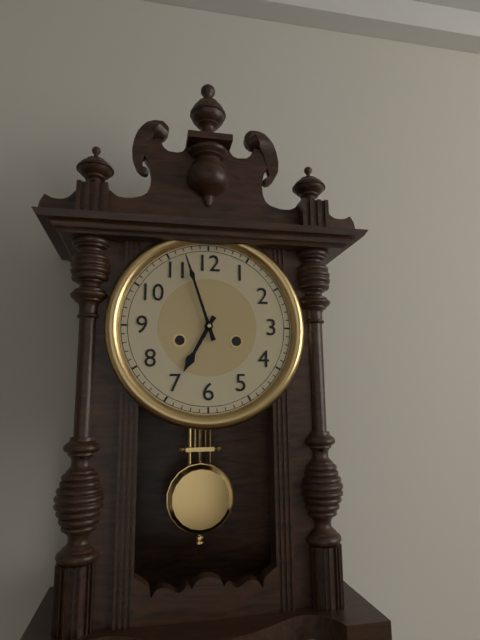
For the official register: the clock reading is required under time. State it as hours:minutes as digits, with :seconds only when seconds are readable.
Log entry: 6:57
